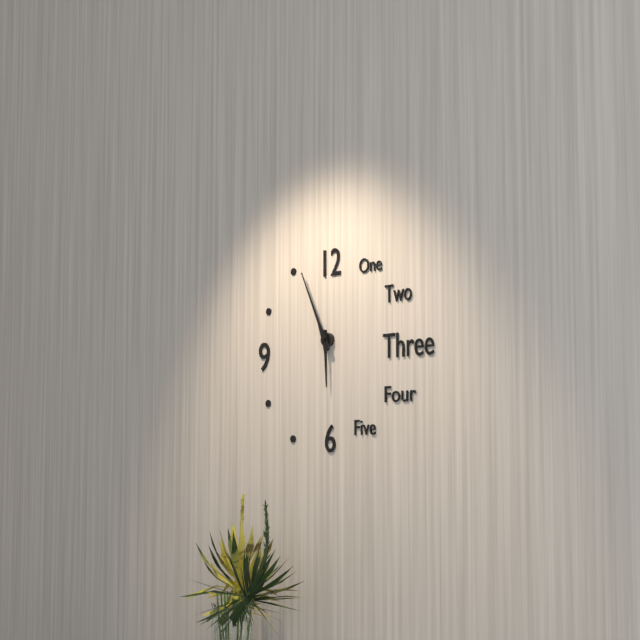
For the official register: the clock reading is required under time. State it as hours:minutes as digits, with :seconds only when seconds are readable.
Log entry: 5:56
